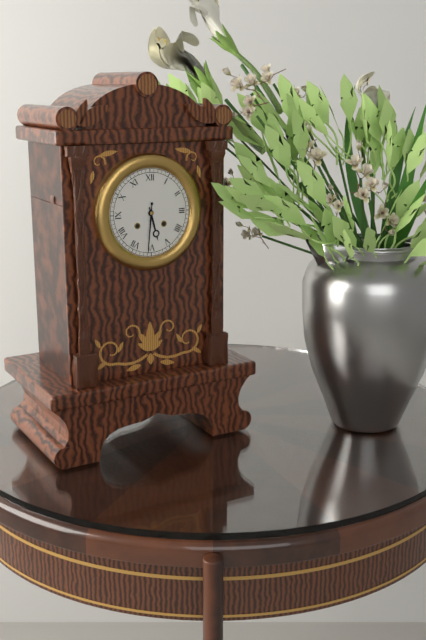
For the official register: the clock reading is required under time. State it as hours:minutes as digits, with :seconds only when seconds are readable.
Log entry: 5:31
